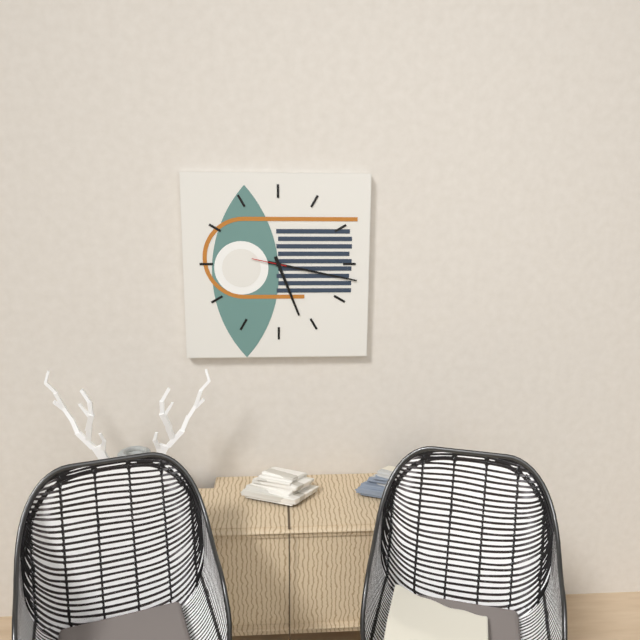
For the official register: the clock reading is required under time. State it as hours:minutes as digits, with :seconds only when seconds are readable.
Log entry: 5:17
